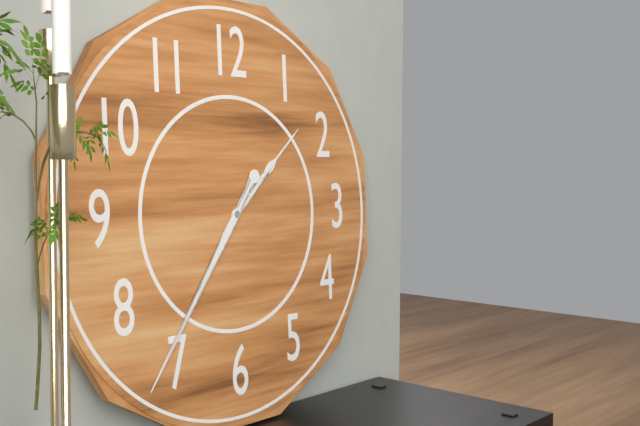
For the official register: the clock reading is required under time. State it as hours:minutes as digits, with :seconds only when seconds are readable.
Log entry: 1:36
